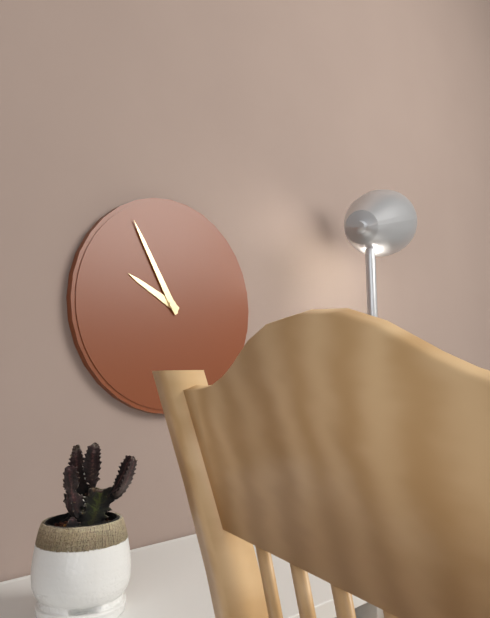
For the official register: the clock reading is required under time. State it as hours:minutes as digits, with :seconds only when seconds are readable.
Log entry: 9:55
